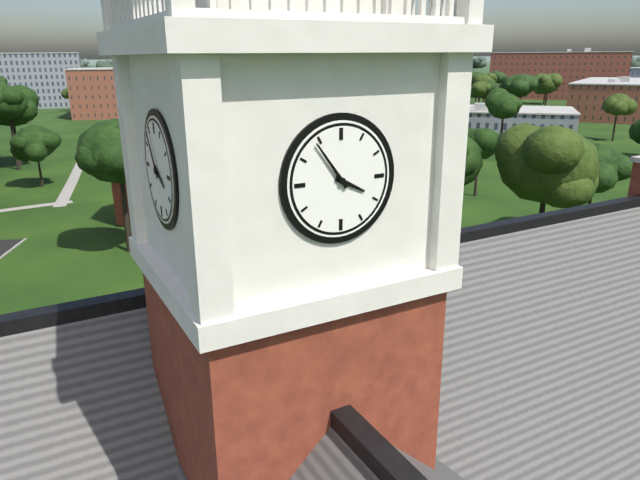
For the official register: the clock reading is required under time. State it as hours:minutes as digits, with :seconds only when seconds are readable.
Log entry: 3:54
